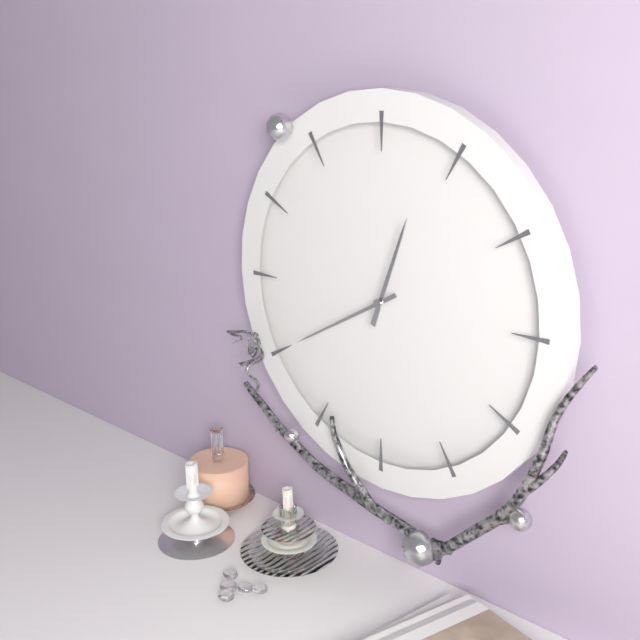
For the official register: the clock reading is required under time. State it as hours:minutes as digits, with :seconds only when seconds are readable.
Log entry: 12:40
